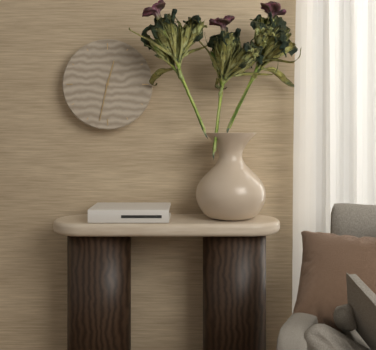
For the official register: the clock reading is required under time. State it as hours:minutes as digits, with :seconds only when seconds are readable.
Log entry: 12:32
